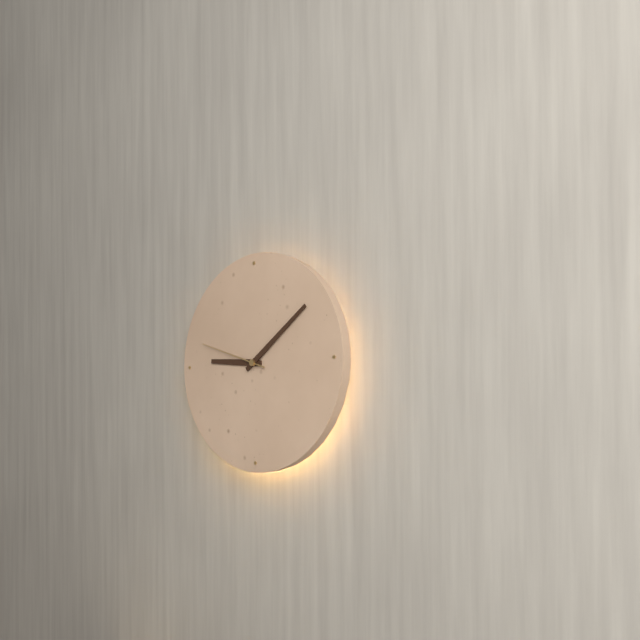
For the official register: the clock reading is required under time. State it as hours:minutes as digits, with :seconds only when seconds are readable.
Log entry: 9:09:48
